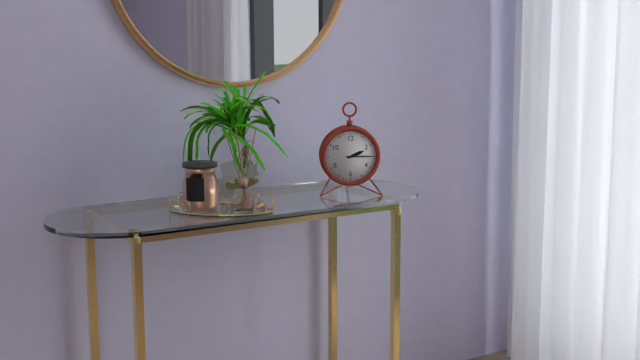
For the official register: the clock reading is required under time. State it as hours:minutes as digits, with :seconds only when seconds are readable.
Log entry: 2:15
